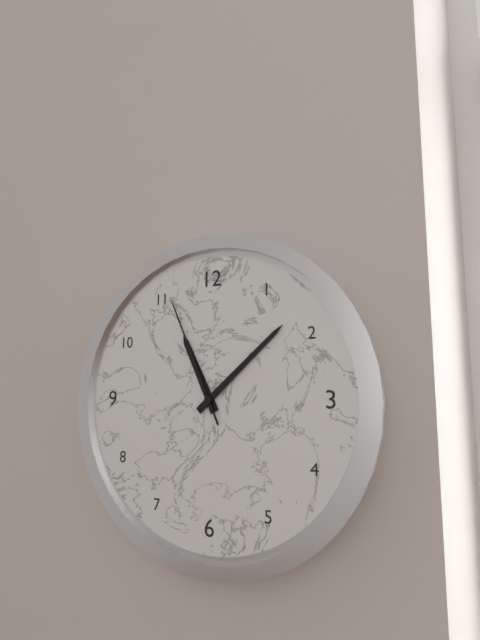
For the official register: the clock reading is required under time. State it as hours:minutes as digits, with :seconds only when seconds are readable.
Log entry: 11:08:56
